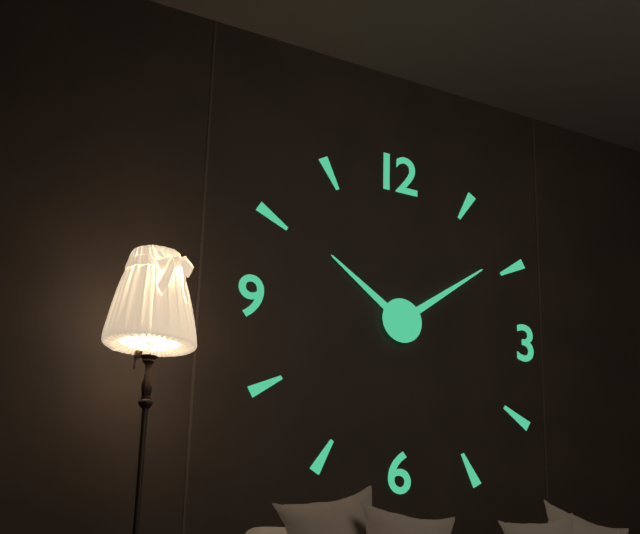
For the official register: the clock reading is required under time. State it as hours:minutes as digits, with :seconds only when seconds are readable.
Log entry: 10:09
